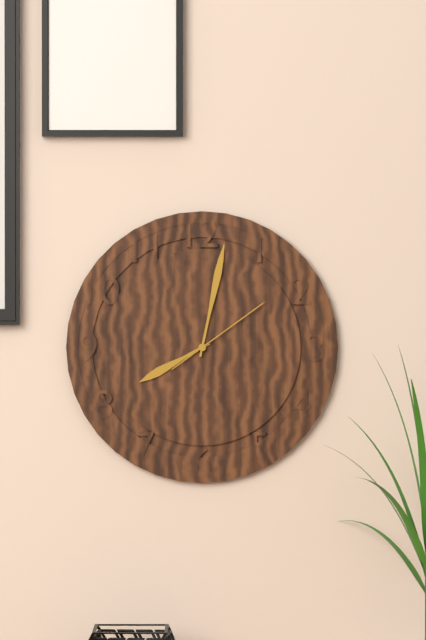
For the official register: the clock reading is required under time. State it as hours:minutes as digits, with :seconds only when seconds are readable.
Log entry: 8:02:09
